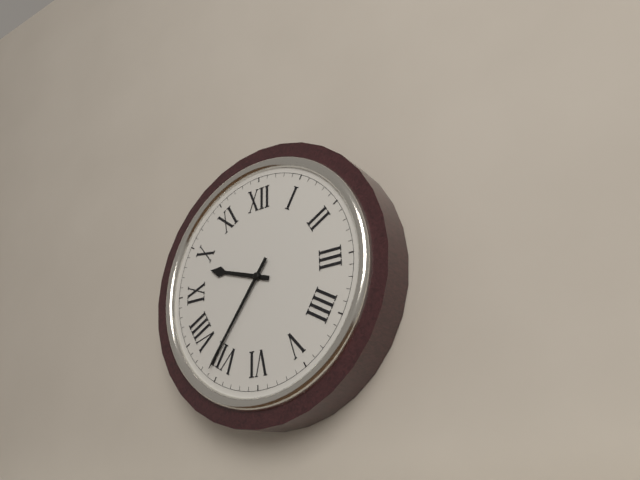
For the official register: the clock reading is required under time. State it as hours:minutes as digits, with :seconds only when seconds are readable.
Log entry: 9:36
